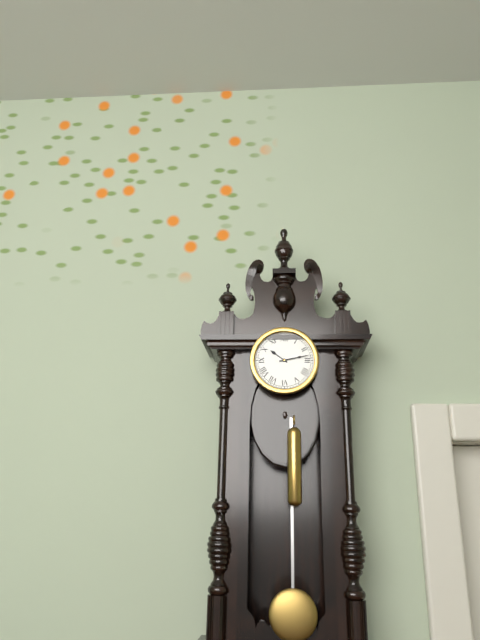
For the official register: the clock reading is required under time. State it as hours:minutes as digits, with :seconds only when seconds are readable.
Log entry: 10:13
